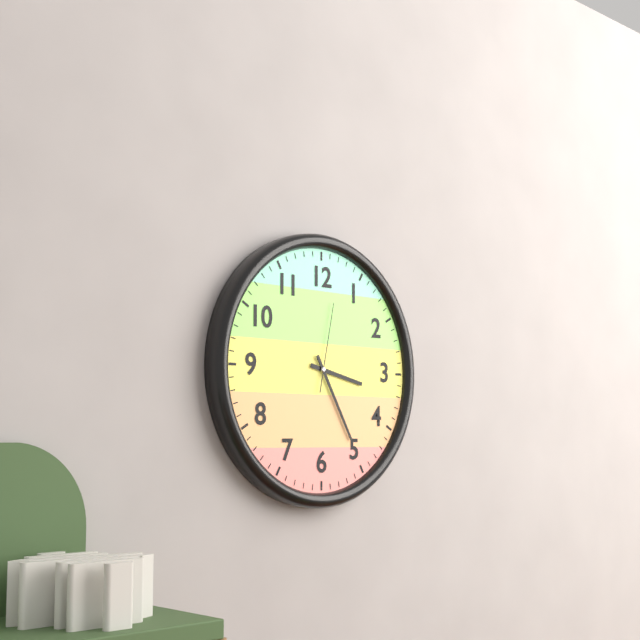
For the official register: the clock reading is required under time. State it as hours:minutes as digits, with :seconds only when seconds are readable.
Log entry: 3:25:02
